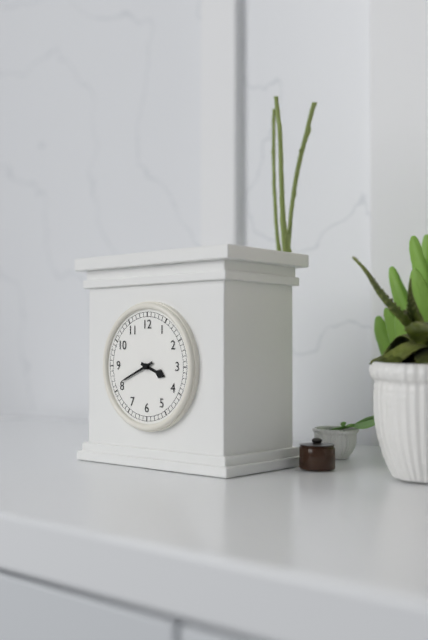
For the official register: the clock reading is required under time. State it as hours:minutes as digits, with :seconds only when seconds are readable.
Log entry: 3:41
